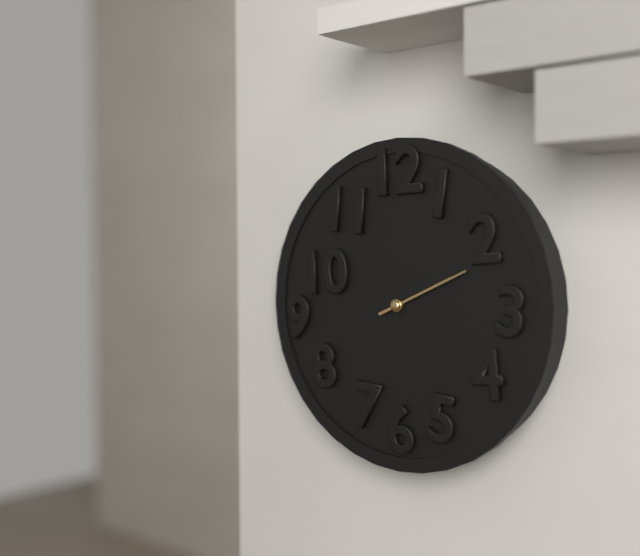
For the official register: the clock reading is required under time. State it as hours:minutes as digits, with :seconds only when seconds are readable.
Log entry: 2:11
